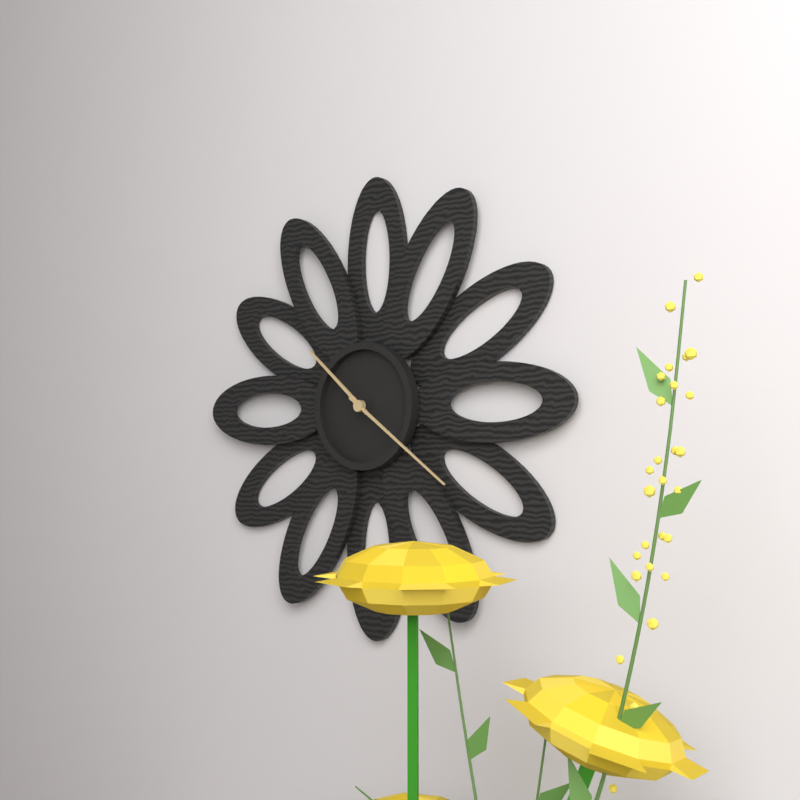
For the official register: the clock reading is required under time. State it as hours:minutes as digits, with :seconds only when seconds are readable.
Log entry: 10:21
